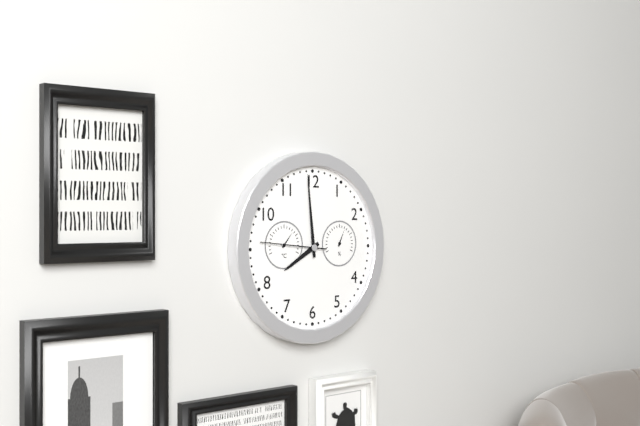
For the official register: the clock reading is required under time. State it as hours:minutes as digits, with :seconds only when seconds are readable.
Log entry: 7:59:46
